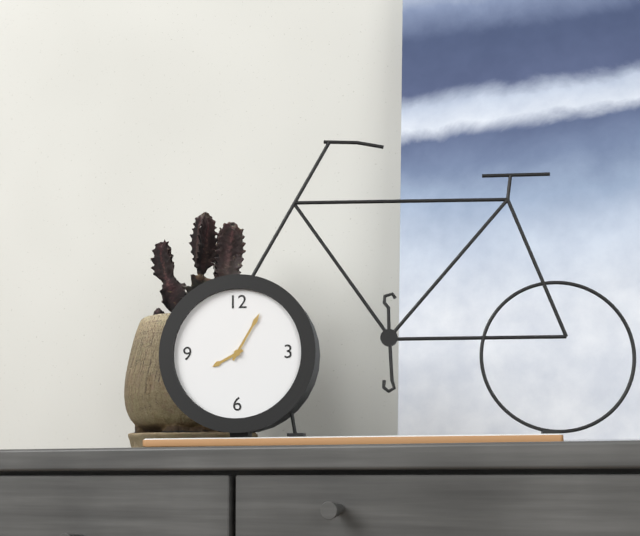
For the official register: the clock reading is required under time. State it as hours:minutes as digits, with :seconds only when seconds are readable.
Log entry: 8:05
